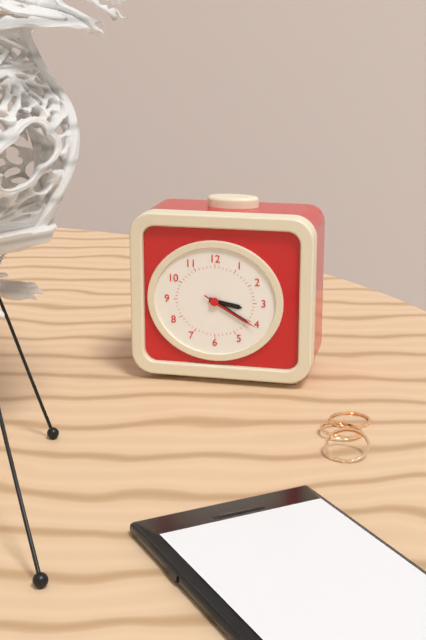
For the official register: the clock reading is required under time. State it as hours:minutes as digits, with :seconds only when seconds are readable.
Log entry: 3:20:20
